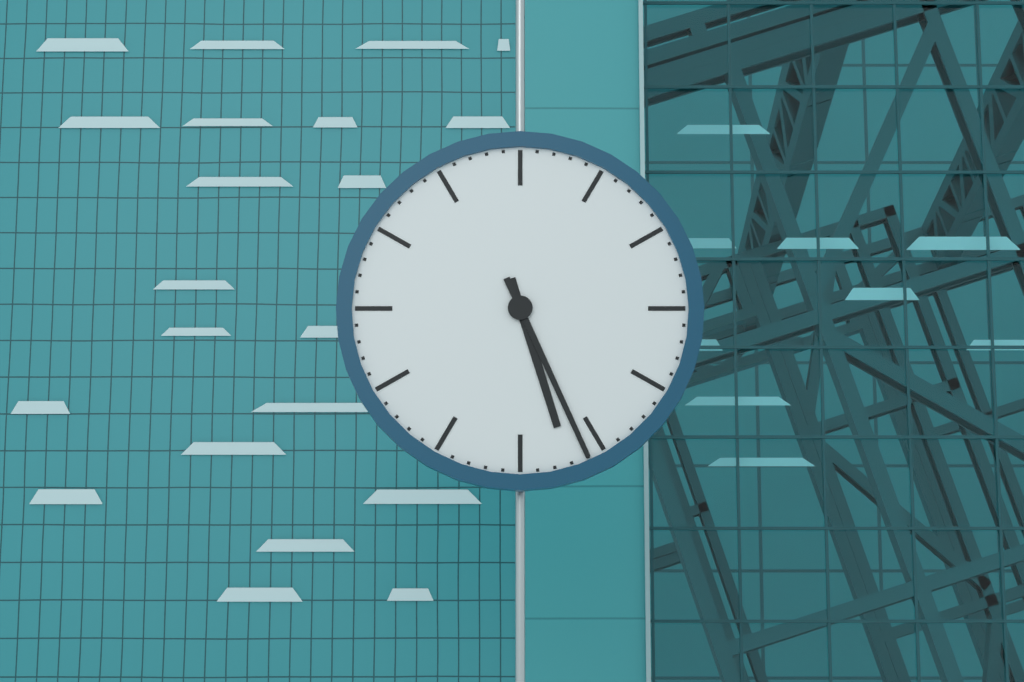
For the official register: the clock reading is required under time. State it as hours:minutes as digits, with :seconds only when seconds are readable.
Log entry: 5:26
